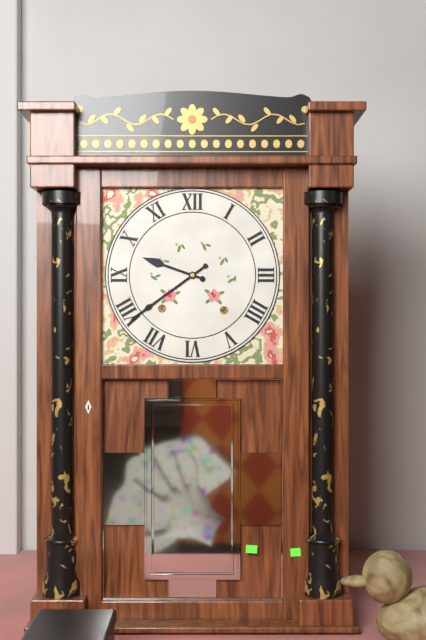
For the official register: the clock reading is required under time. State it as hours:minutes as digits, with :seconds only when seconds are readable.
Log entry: 9:39
